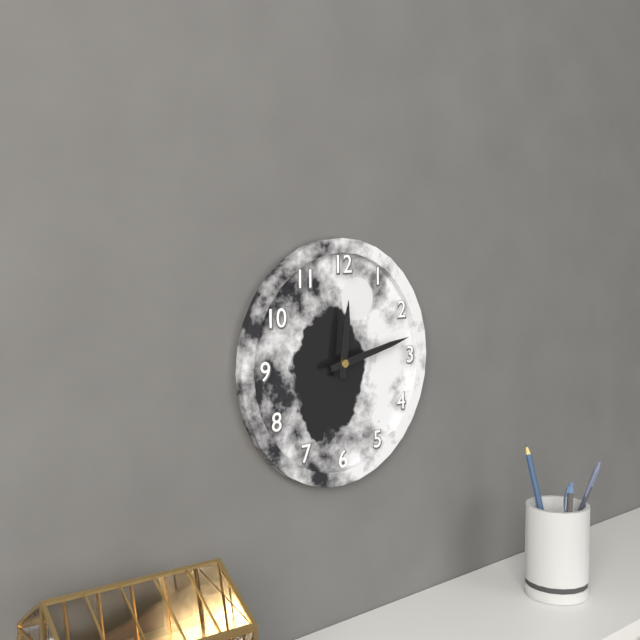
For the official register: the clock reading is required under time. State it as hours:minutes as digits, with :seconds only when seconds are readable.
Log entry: 12:13
